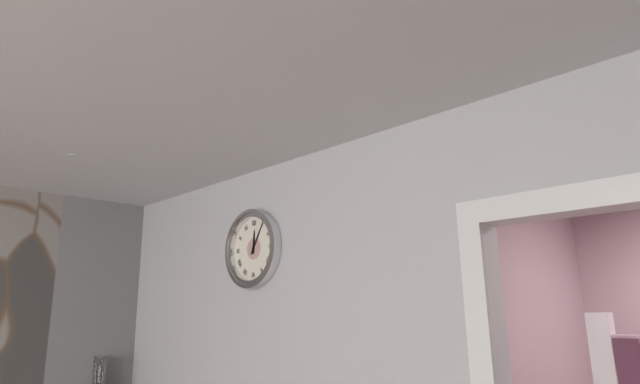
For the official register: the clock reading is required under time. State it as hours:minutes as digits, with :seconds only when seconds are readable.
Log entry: 12:05
